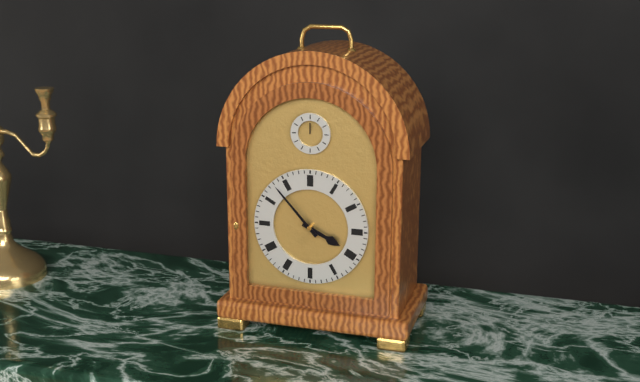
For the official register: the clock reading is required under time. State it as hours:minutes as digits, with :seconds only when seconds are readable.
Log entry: 3:53
